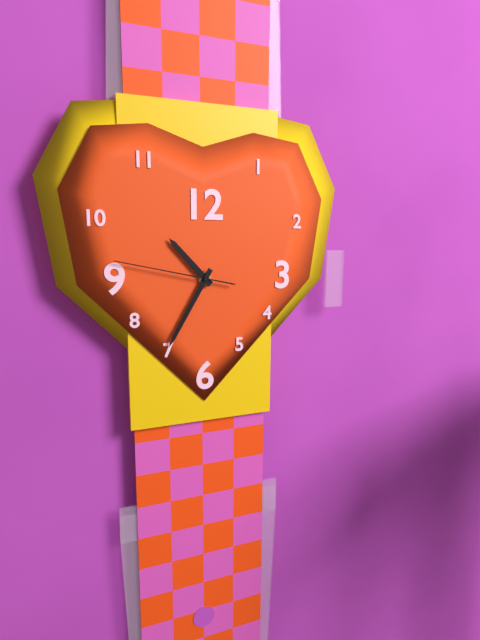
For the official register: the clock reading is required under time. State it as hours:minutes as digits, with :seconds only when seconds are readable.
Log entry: 10:35:47
